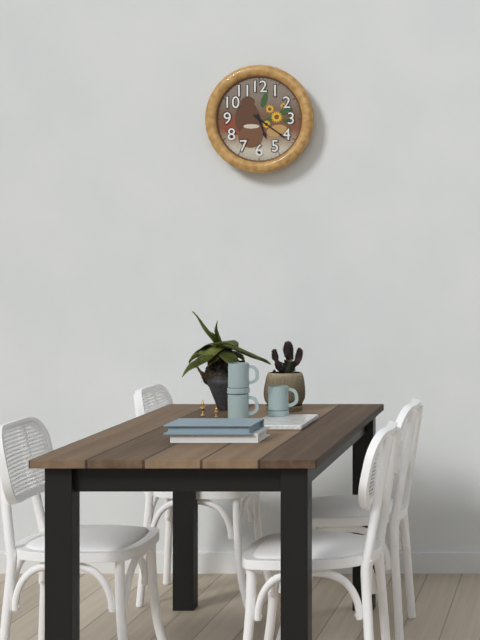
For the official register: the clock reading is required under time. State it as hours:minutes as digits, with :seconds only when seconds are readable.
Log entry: 5:21
